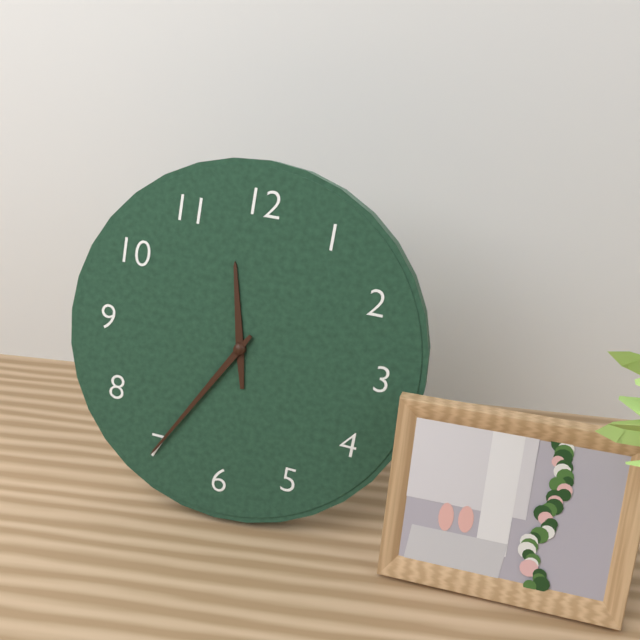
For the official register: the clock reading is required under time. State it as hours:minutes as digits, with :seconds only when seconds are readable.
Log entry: 11:35
